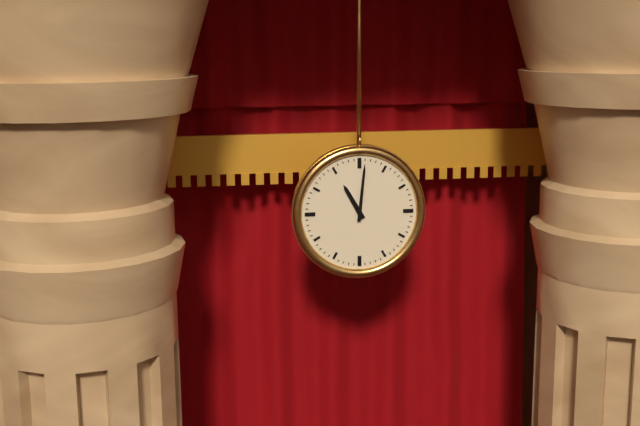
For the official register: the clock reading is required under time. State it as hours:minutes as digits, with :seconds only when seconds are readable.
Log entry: 11:01
